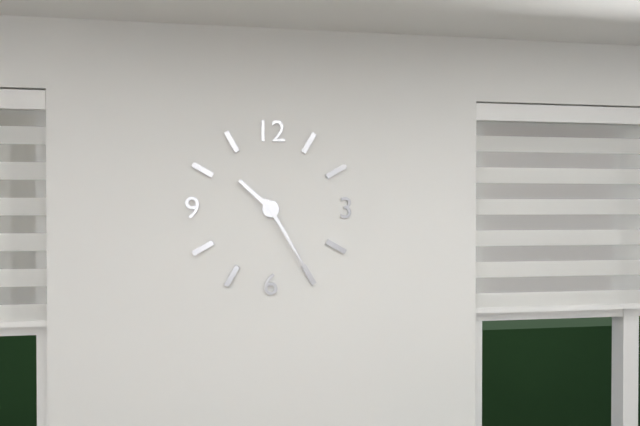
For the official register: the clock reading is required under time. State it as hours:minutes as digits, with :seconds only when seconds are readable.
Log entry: 10:25
